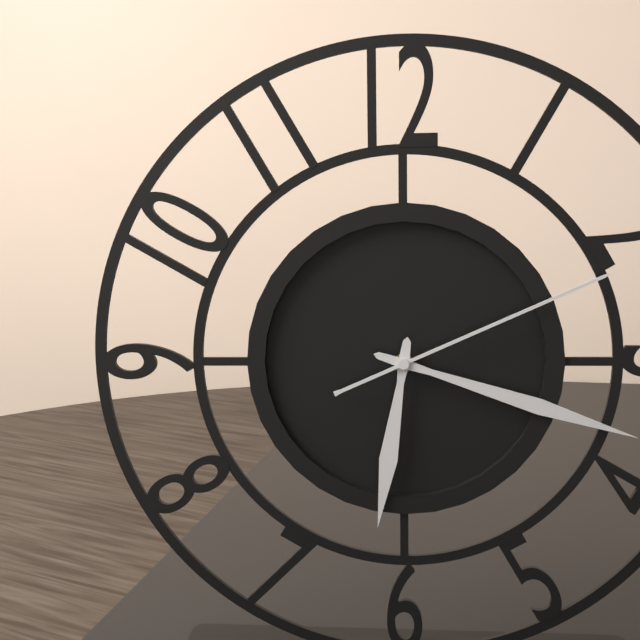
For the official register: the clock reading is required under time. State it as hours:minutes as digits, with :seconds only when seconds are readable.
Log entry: 6:18:11
